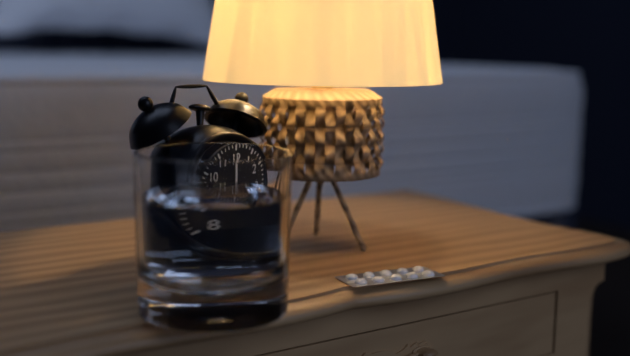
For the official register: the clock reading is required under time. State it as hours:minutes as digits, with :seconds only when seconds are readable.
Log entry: 5:00
